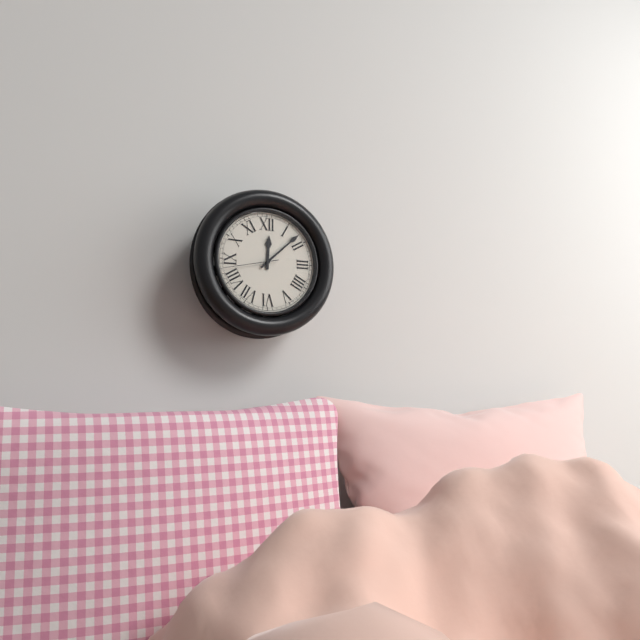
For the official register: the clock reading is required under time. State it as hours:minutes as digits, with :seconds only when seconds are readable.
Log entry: 12:08:43
